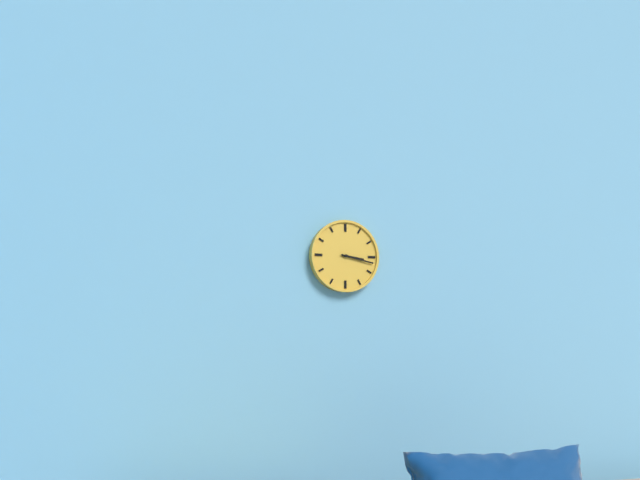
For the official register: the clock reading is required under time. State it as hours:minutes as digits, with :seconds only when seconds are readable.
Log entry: 3:17
